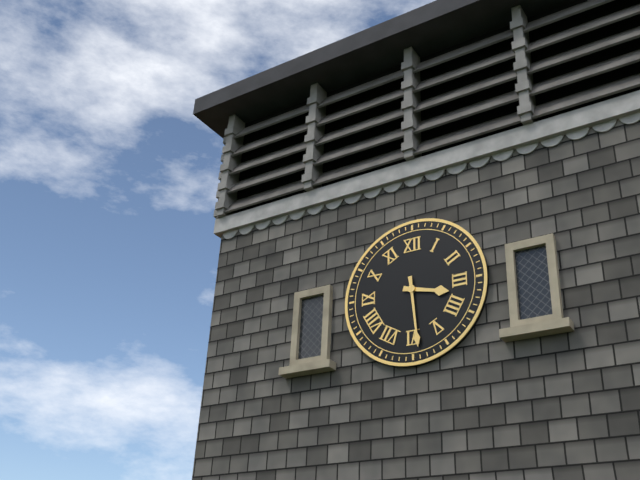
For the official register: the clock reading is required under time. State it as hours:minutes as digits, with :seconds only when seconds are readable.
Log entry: 3:29
